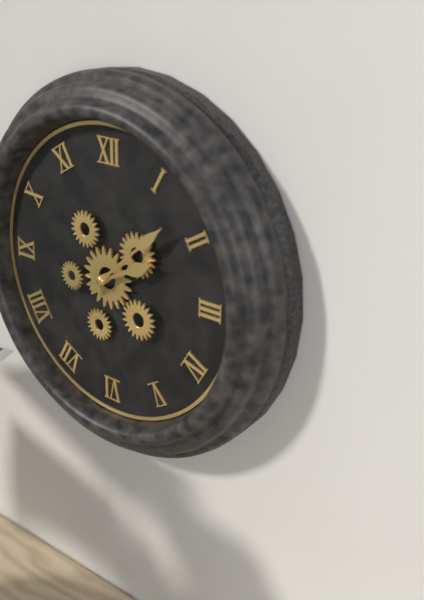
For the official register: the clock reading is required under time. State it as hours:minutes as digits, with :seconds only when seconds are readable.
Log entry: 2:08
